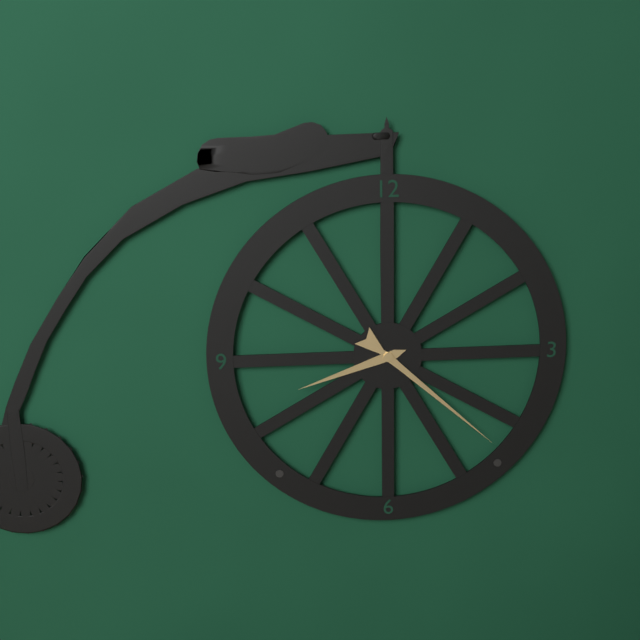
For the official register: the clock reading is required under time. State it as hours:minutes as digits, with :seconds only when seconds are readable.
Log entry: 8:22
